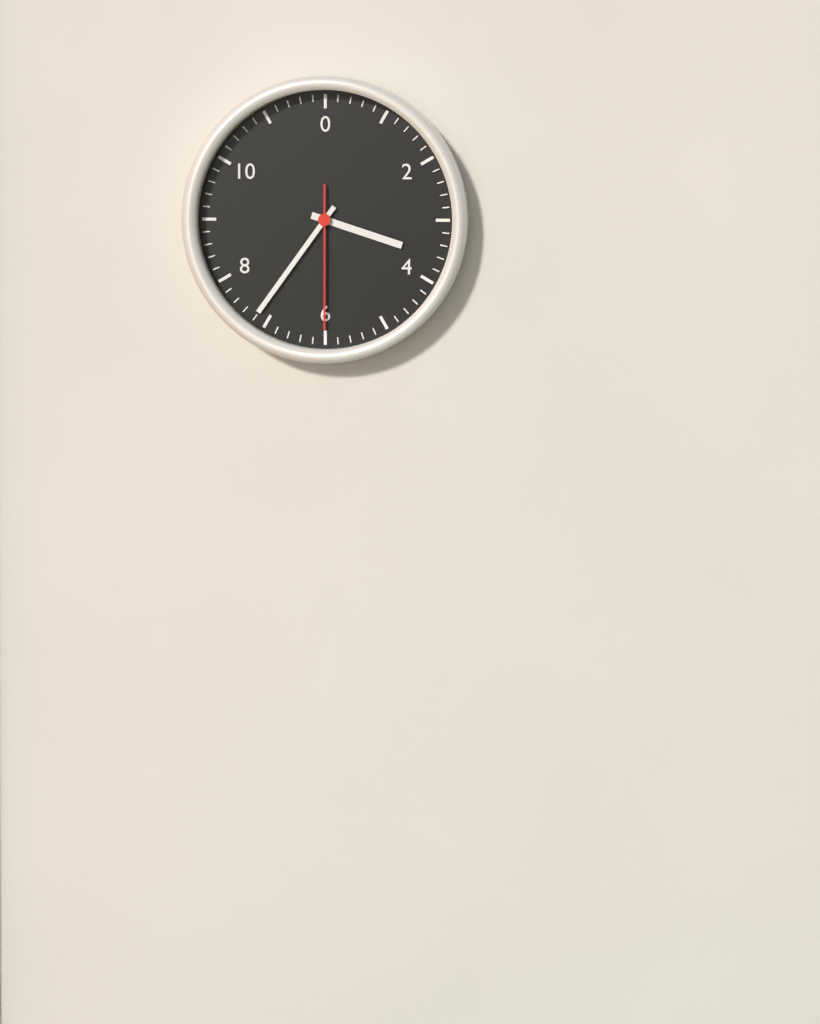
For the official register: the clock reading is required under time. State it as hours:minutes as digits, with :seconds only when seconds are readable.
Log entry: 3:36:30
